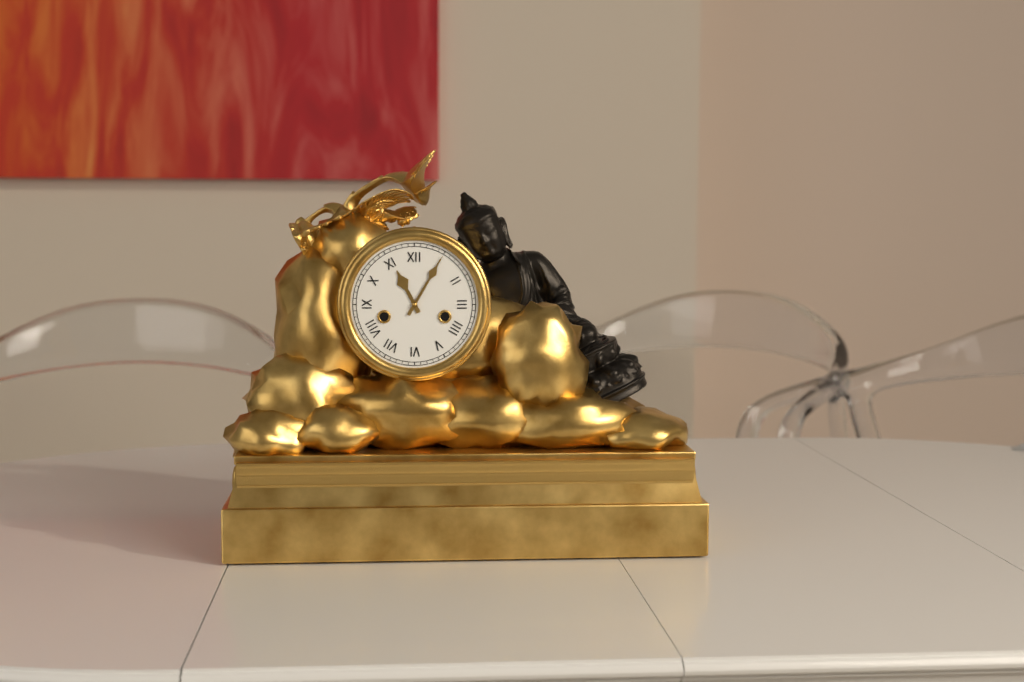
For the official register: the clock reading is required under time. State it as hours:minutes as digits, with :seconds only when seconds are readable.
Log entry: 11:05
